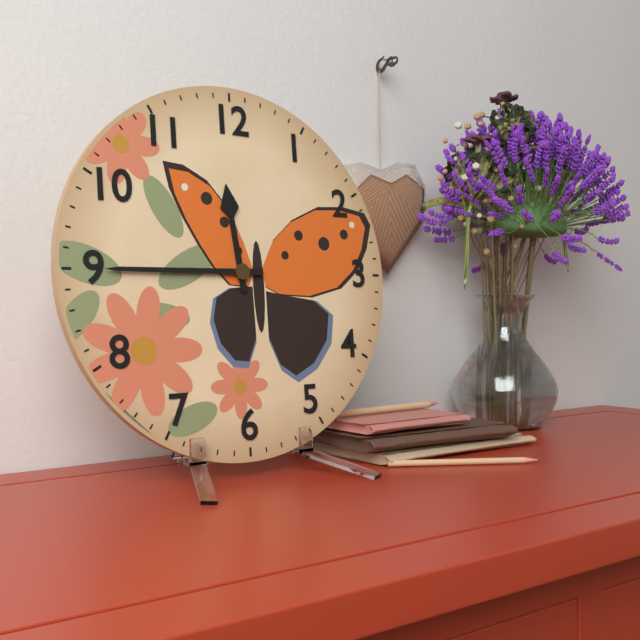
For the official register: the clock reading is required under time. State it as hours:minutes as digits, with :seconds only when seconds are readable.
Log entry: 11:45
